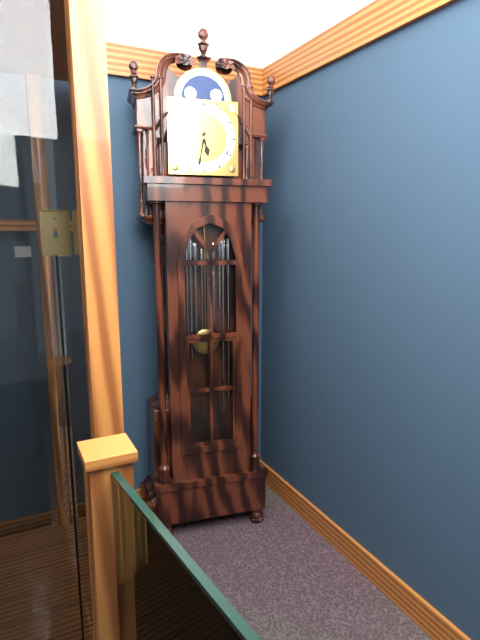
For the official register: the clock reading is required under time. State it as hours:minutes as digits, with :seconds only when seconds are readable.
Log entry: 5:32
